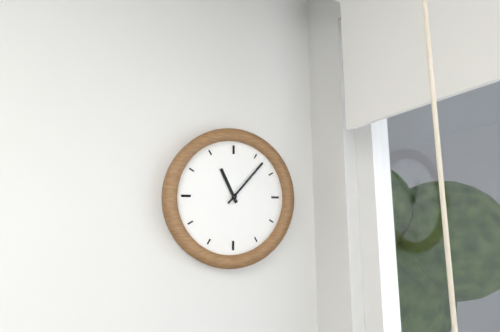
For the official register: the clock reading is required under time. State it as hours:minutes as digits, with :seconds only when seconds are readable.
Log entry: 11:07
